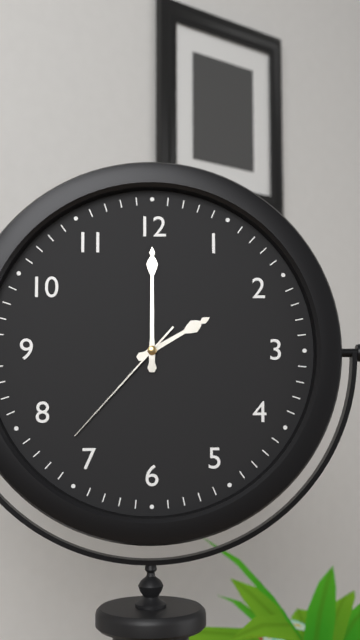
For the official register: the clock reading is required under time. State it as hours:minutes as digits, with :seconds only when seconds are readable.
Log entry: 2:00:37
